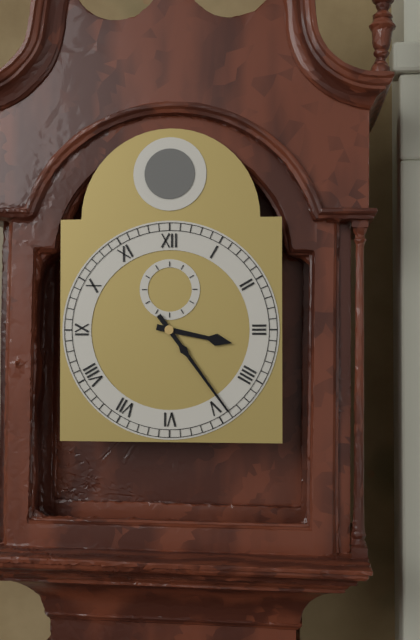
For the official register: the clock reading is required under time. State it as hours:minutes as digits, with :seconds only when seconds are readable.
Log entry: 3:24
